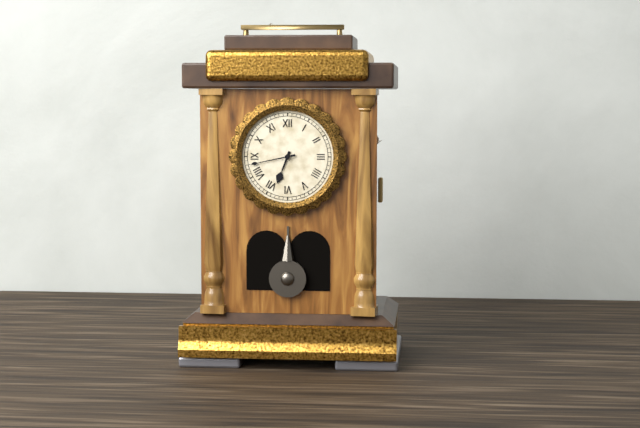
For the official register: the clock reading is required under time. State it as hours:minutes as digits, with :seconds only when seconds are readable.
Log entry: 6:43
